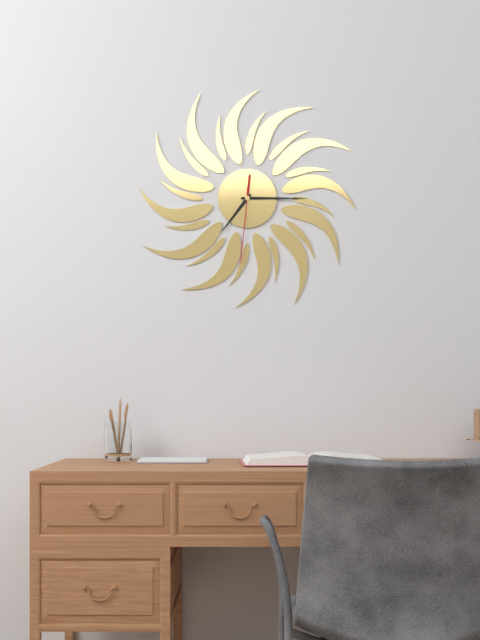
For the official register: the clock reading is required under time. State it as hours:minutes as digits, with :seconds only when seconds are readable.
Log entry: 7:15:31
